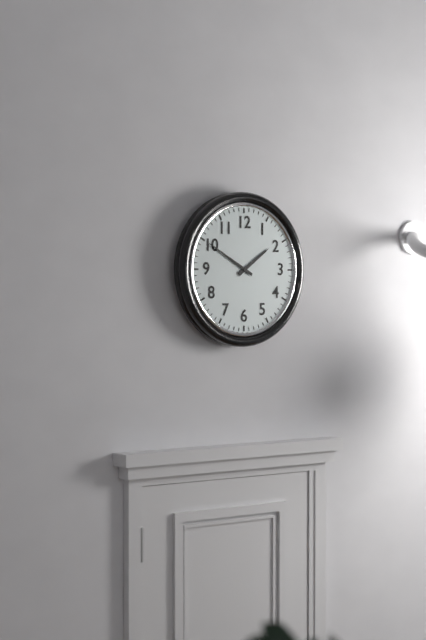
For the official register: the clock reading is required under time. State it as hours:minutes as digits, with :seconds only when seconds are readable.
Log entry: 1:50
